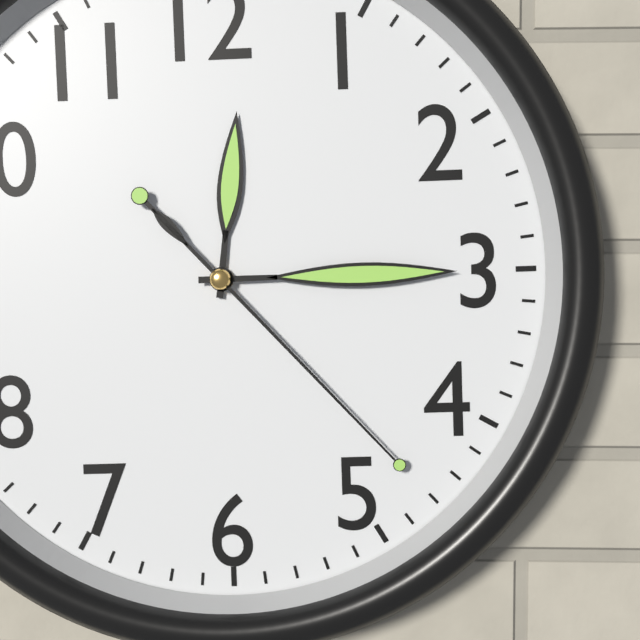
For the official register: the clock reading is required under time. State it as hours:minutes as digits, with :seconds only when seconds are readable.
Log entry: 12:15:23
